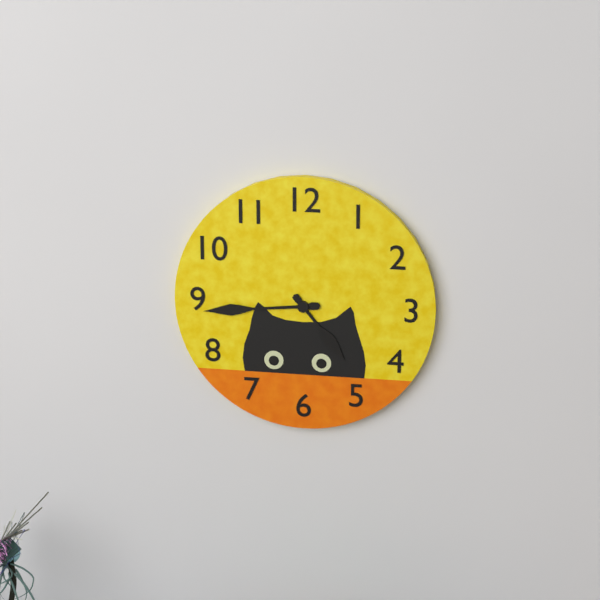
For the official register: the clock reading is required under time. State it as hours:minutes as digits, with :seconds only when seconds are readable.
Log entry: 4:44
